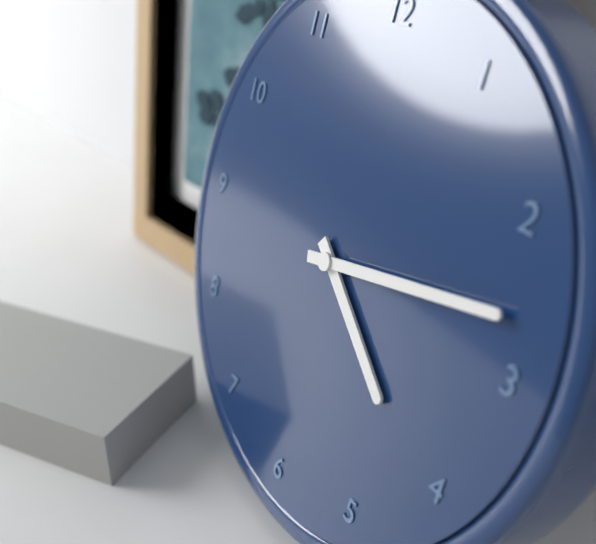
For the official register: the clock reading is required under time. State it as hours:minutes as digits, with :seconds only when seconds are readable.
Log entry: 4:13
